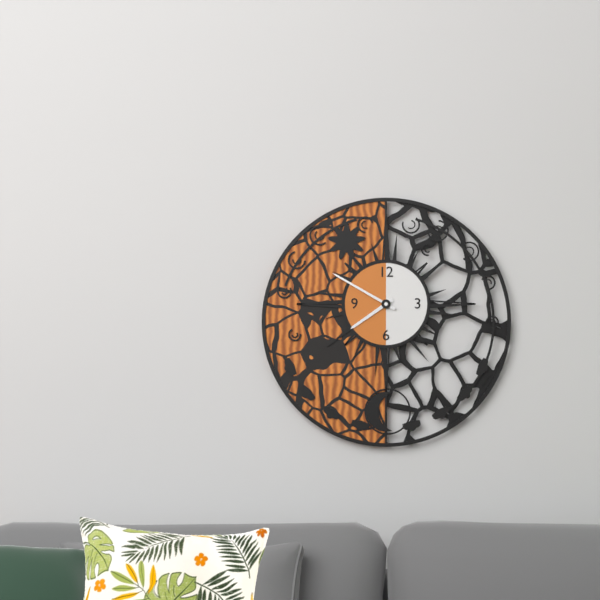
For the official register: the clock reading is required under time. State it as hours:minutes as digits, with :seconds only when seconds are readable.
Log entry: 7:50
